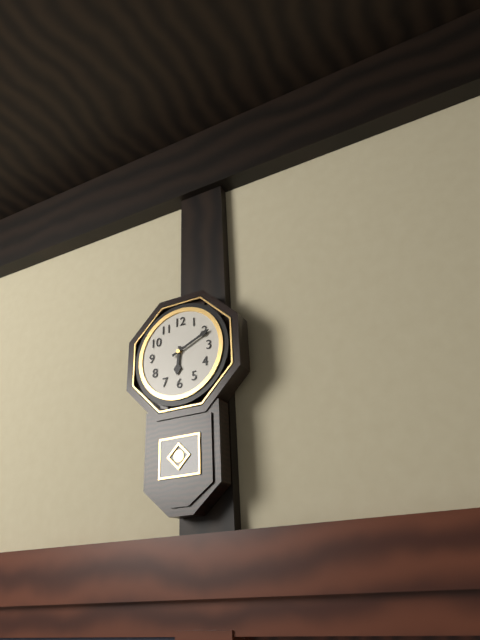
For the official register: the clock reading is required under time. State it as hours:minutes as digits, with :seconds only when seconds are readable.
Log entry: 6:11
